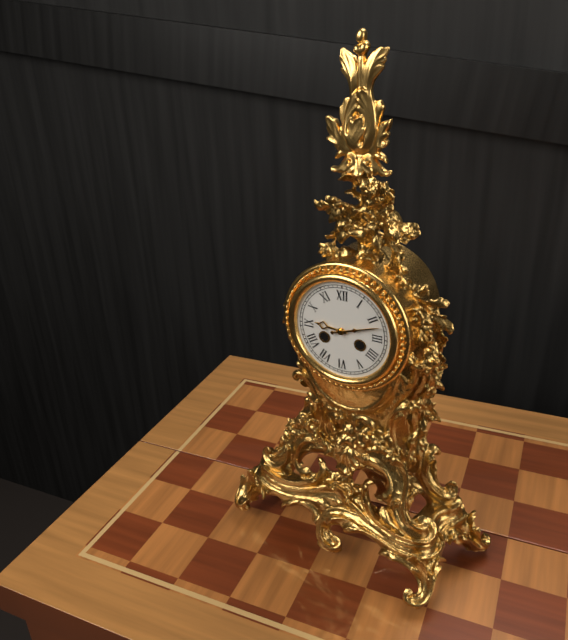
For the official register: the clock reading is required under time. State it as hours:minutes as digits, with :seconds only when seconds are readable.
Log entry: 9:12
